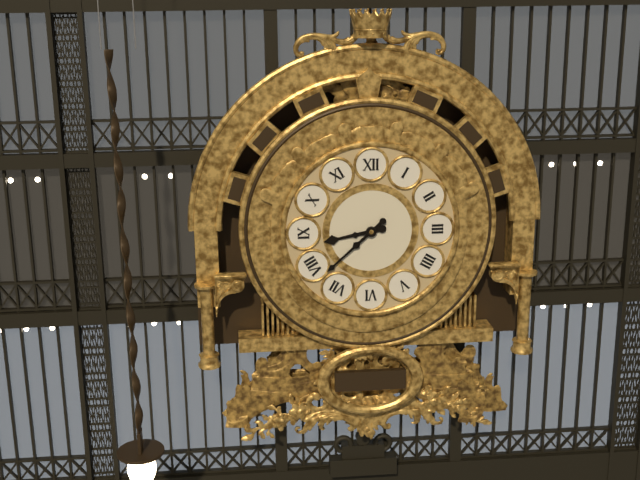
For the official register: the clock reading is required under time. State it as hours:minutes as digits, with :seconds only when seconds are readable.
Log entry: 8:38
